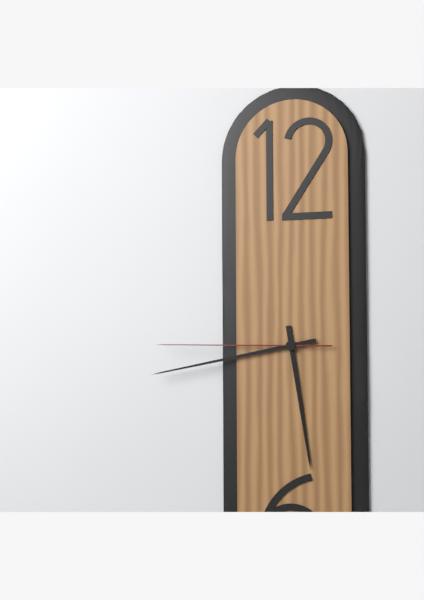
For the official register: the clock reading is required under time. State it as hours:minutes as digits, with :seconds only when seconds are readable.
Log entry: 5:43:45
